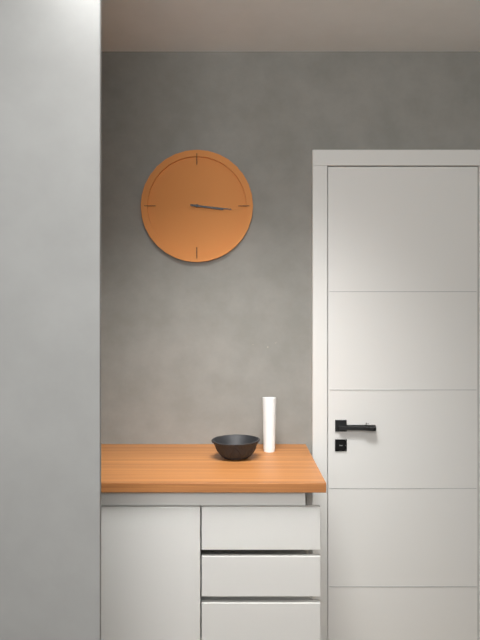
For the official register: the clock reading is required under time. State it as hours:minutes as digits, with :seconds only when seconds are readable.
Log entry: 3:16
